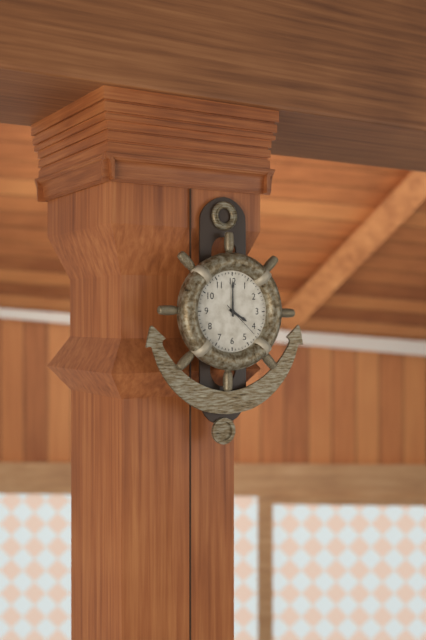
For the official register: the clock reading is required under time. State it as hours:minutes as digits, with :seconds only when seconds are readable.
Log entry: 4:00
